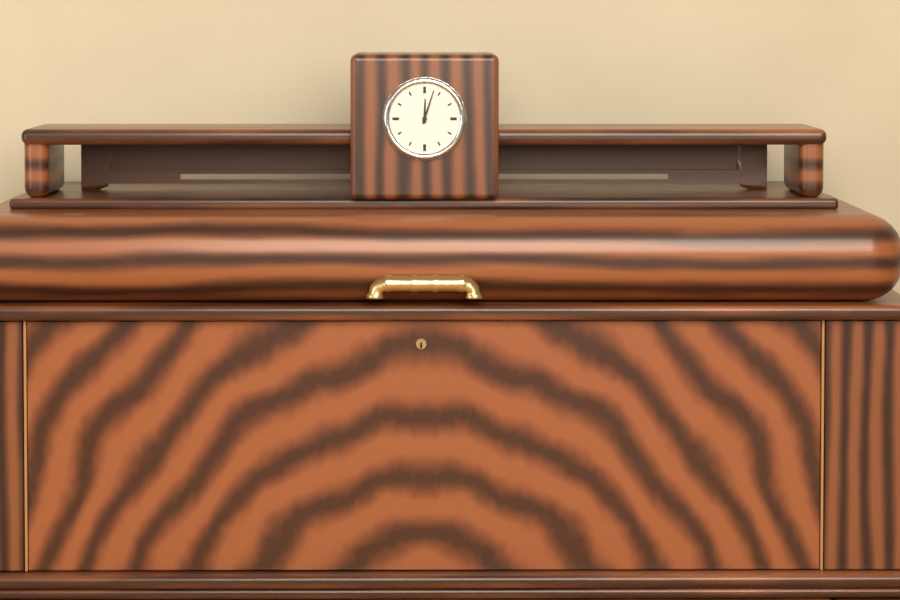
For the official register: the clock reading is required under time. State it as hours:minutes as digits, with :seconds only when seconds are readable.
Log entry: 12:03
